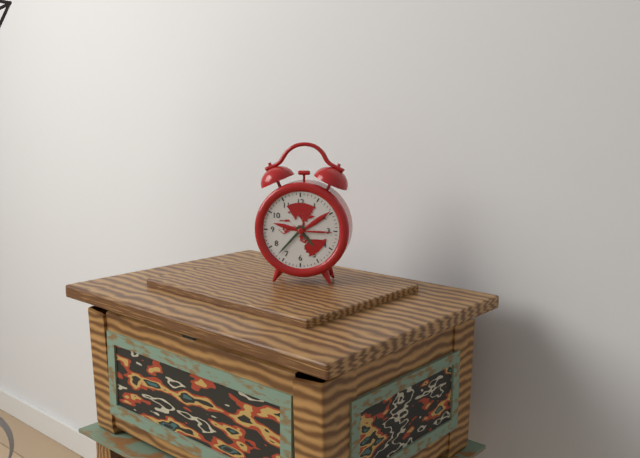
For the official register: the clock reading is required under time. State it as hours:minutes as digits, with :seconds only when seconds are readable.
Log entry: 4:37
